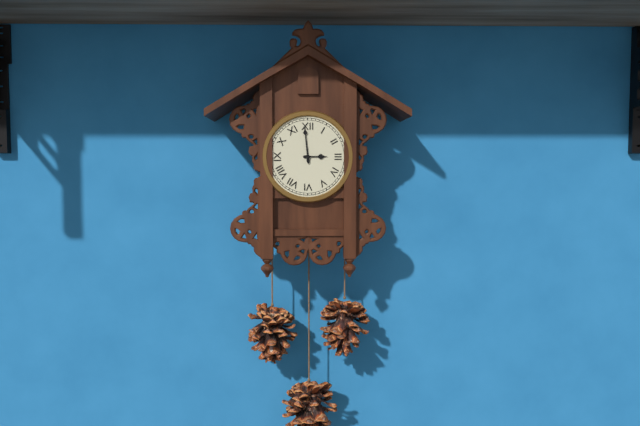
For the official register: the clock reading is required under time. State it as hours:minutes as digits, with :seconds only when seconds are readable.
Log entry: 2:59
